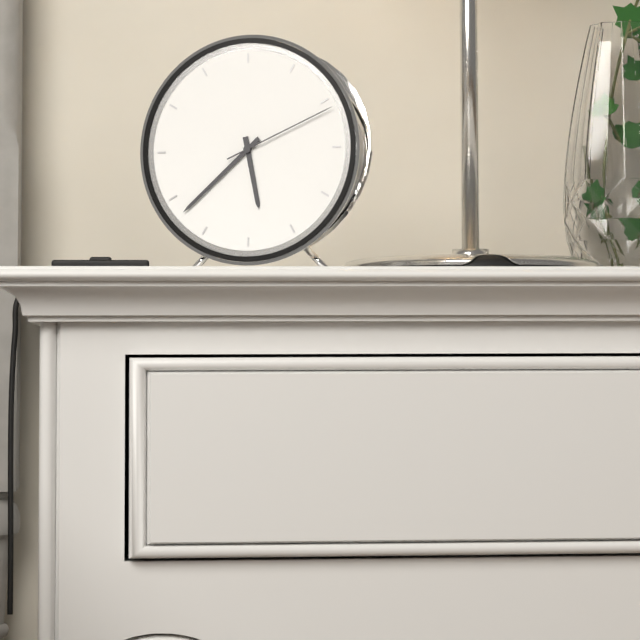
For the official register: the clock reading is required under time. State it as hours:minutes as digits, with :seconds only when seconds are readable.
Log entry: 5:38:11
